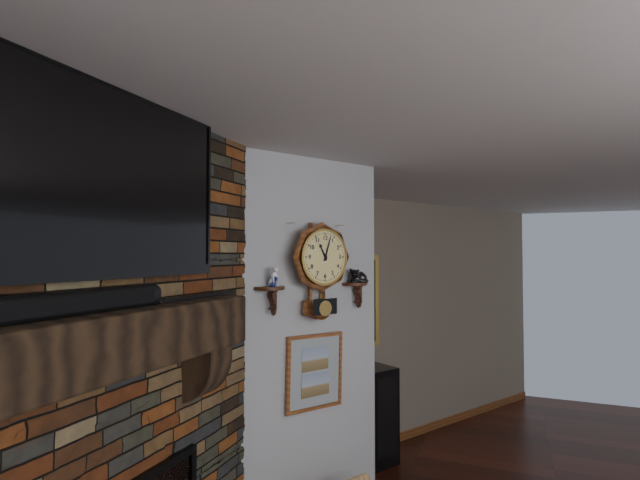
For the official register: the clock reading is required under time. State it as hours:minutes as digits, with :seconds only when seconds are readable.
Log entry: 11:03
